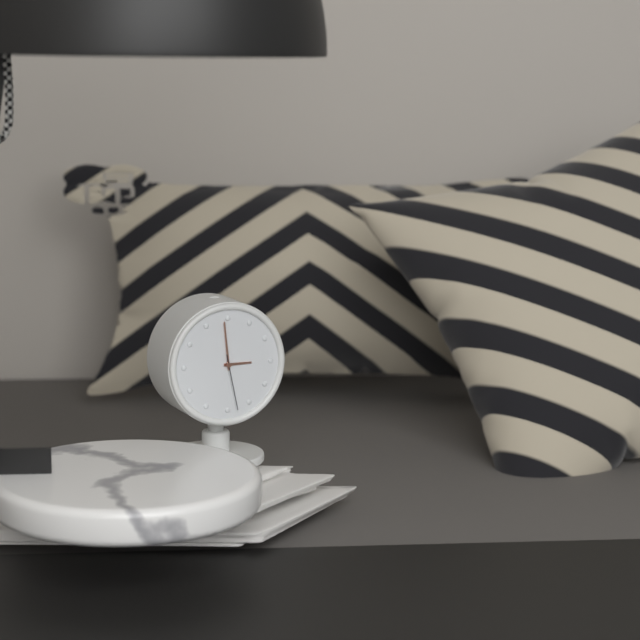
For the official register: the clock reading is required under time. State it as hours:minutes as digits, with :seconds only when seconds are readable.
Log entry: 2:59:28
